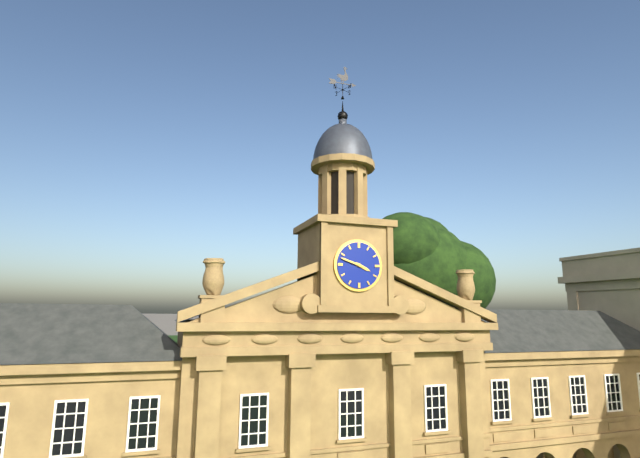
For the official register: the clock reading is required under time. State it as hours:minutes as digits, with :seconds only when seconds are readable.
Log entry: 3:48
